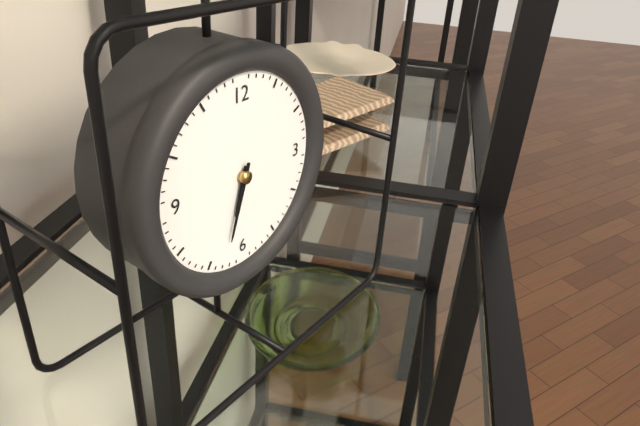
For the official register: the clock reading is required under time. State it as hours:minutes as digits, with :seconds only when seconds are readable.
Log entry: 6:33
